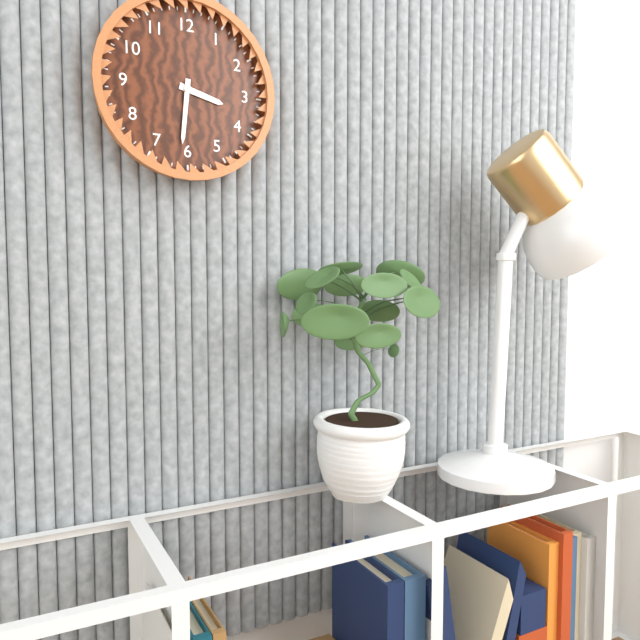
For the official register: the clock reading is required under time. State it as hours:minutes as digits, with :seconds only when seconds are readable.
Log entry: 3:31
